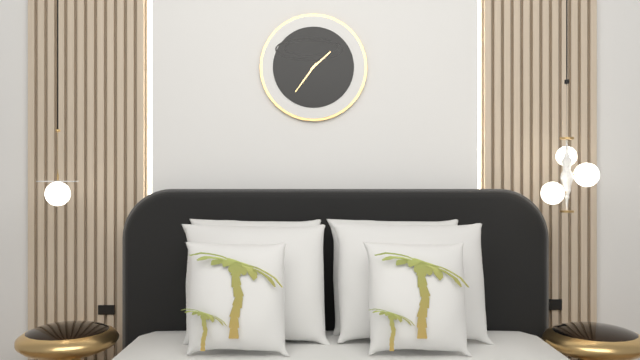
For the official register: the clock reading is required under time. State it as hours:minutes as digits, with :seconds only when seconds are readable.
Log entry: 1:36
